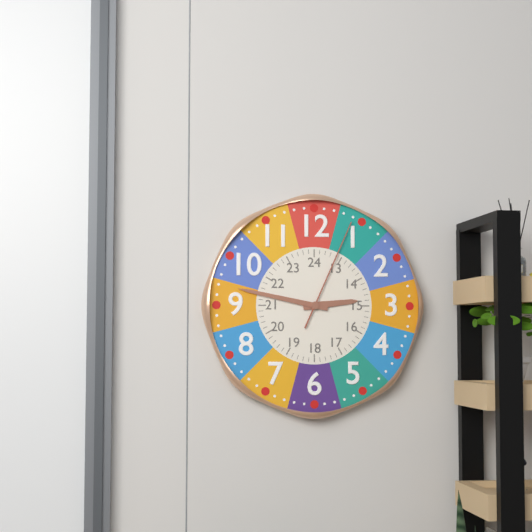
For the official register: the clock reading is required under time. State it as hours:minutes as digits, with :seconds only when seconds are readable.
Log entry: 2:47:04
